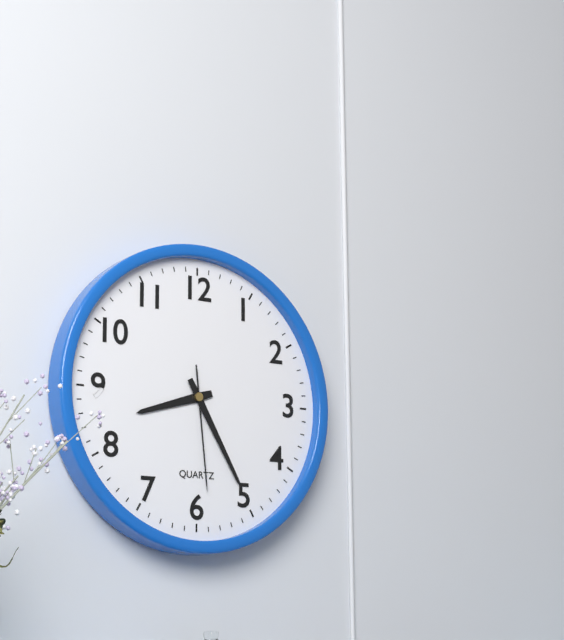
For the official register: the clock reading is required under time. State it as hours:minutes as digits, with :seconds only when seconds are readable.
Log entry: 8:25:29
